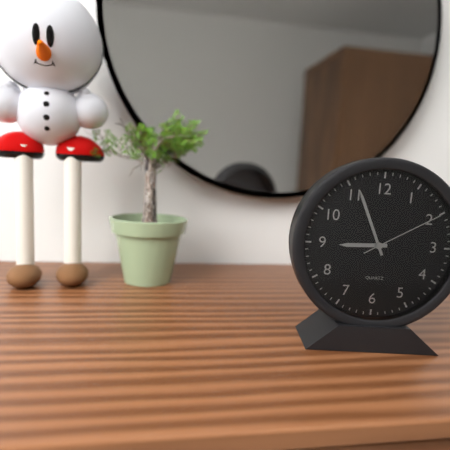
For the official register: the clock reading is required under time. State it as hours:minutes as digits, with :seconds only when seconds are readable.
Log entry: 8:56:10
